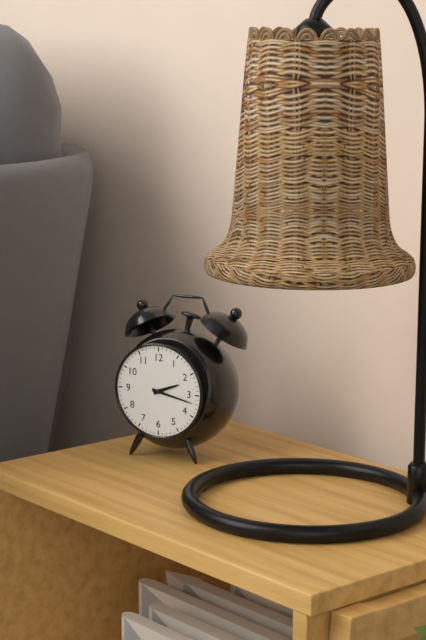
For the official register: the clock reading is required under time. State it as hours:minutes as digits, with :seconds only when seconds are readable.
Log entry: 2:17
